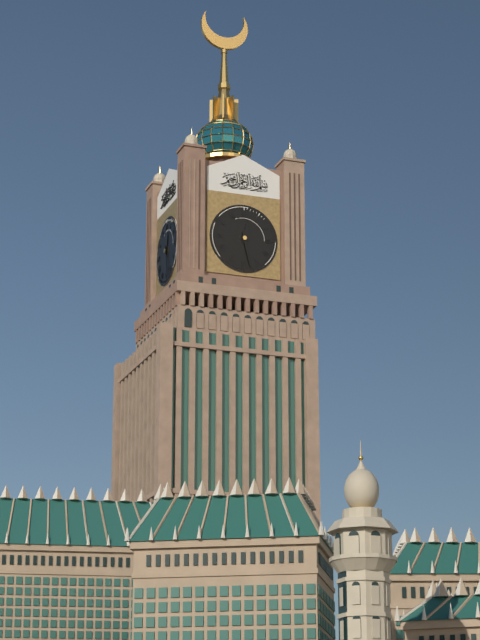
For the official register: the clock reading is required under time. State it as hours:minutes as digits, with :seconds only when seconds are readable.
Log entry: 12:28
